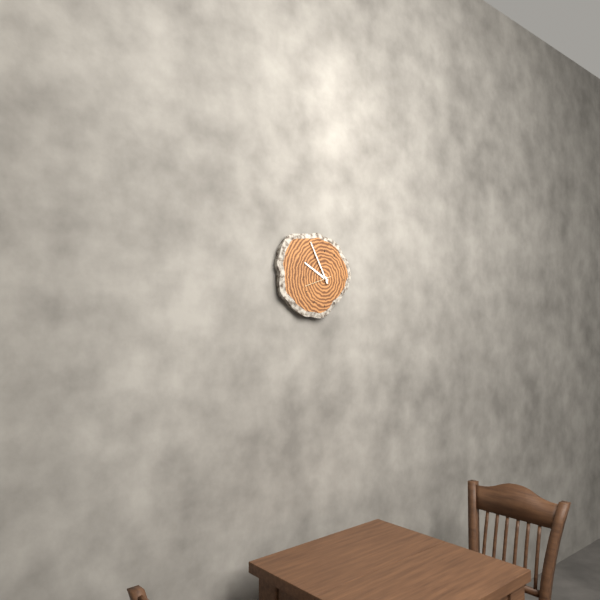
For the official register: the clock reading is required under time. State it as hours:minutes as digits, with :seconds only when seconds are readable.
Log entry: 9:55
